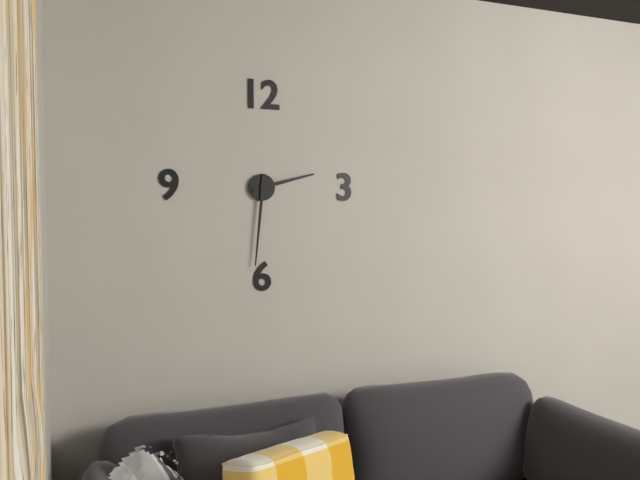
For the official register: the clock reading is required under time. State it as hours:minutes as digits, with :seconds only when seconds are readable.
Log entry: 2:31
